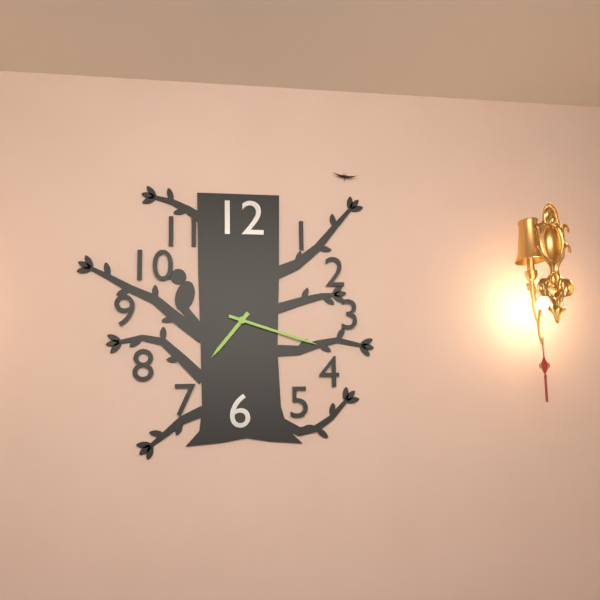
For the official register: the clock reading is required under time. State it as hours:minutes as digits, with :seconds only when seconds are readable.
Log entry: 7:18
